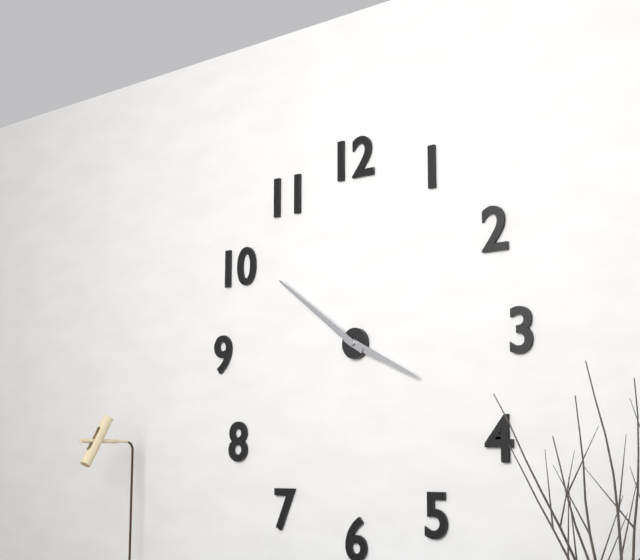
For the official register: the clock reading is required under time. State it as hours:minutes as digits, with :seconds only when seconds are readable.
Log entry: 3:51
